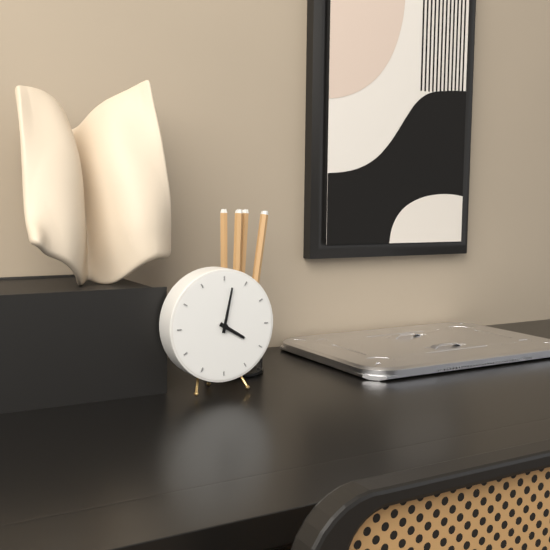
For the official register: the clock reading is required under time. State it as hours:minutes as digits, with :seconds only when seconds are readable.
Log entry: 4:02
